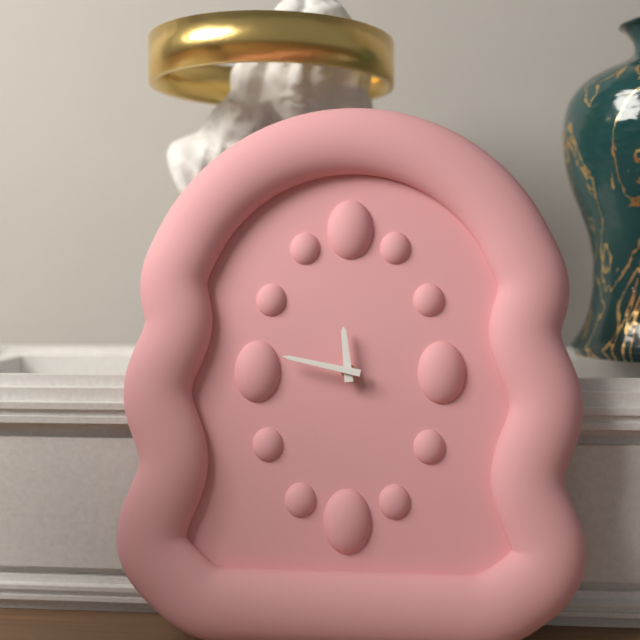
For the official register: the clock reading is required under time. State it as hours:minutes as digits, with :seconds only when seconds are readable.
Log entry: 11:47
